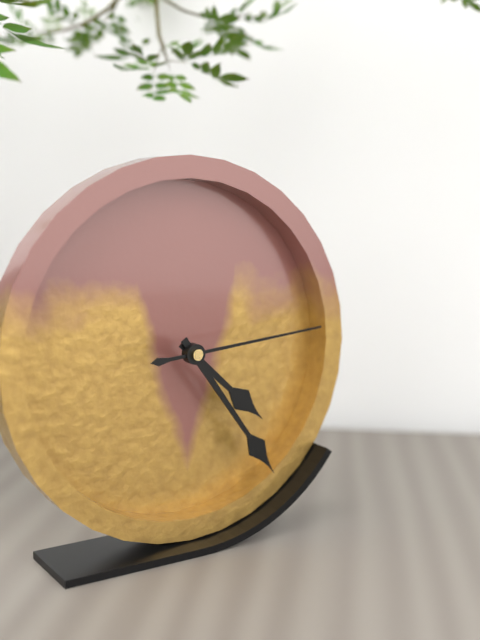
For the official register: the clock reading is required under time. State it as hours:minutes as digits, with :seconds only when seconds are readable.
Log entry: 4:24:14
